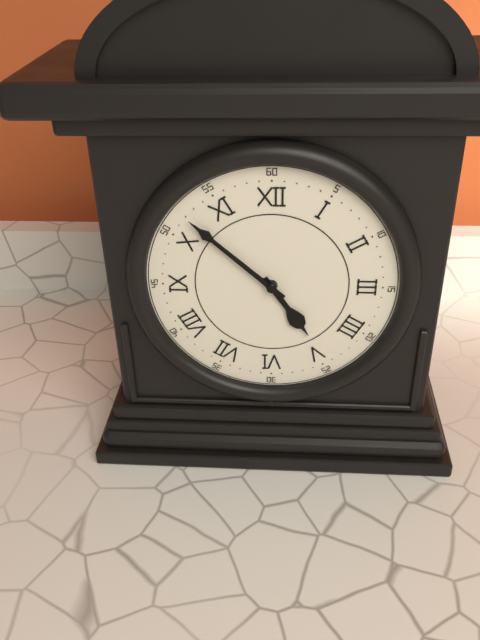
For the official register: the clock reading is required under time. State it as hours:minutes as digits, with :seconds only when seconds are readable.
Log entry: 4:52
